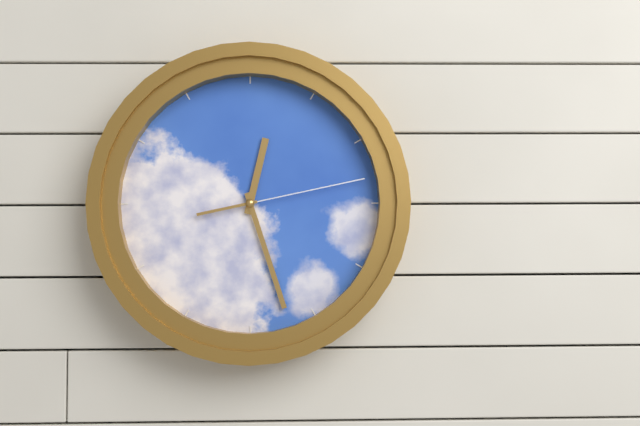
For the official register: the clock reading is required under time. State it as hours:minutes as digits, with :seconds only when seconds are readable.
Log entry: 12:27:13
